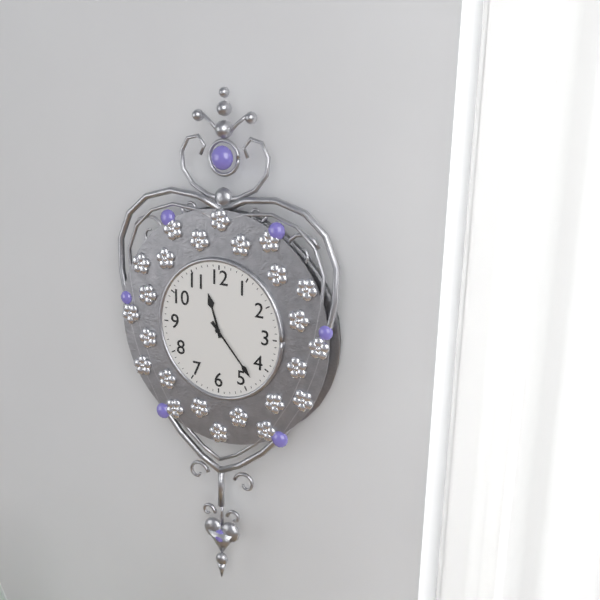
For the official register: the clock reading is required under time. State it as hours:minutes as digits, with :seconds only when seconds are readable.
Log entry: 11:23
